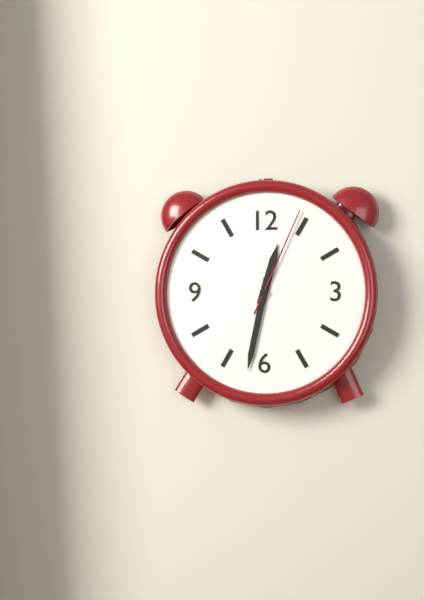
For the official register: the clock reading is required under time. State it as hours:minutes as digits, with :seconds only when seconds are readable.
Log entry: 12:32:04
